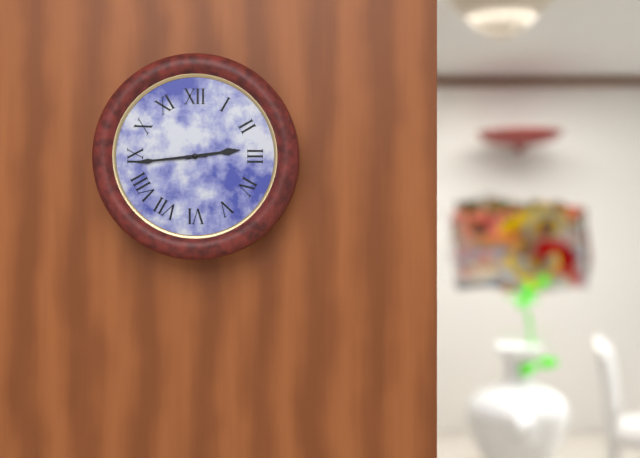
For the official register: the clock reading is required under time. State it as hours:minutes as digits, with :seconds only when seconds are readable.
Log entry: 2:44
